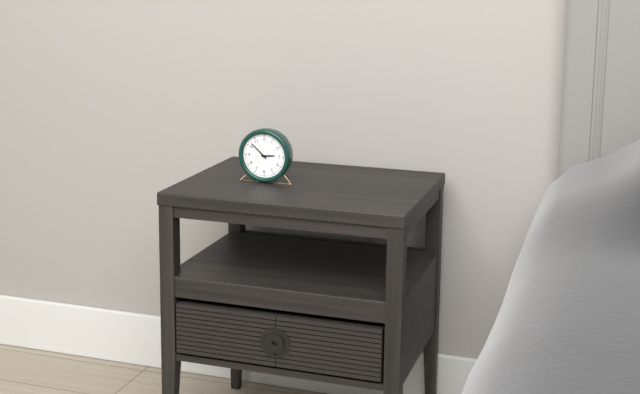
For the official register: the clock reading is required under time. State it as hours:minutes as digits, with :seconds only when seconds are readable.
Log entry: 2:52
